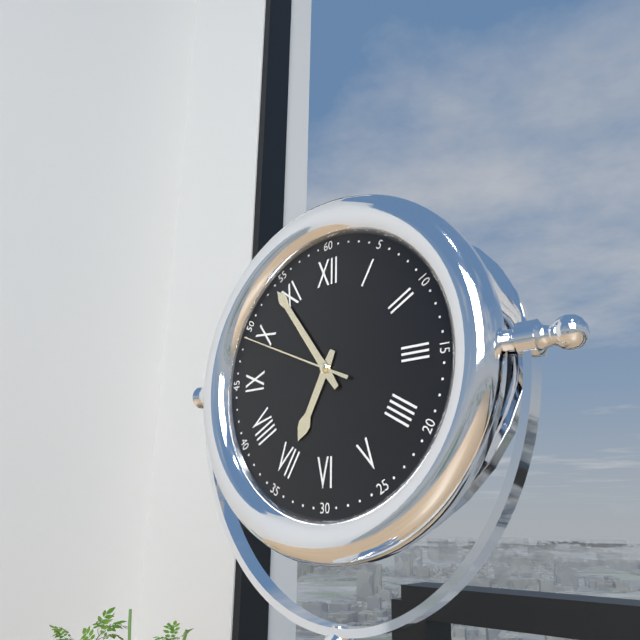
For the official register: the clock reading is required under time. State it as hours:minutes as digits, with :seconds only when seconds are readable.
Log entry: 6:54:49
